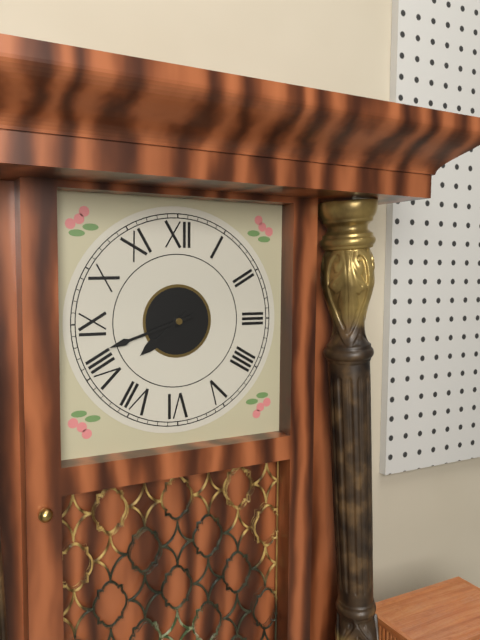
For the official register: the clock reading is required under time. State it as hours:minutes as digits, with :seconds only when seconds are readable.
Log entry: 7:42
